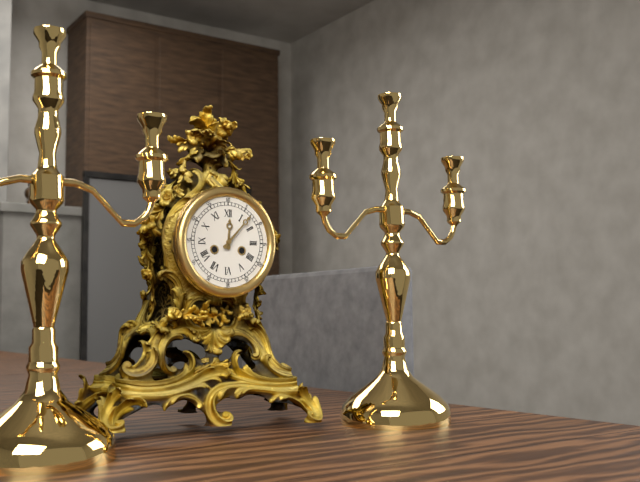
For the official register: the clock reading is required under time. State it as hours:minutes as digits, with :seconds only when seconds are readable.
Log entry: 12:07
